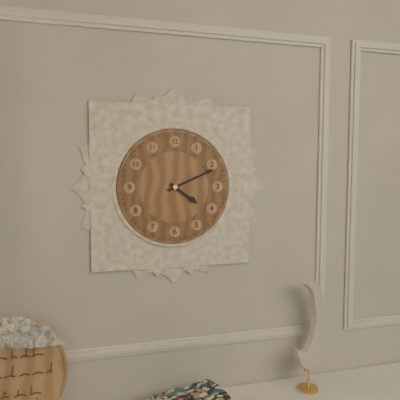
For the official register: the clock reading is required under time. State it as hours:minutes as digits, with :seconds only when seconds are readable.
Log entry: 4:11
